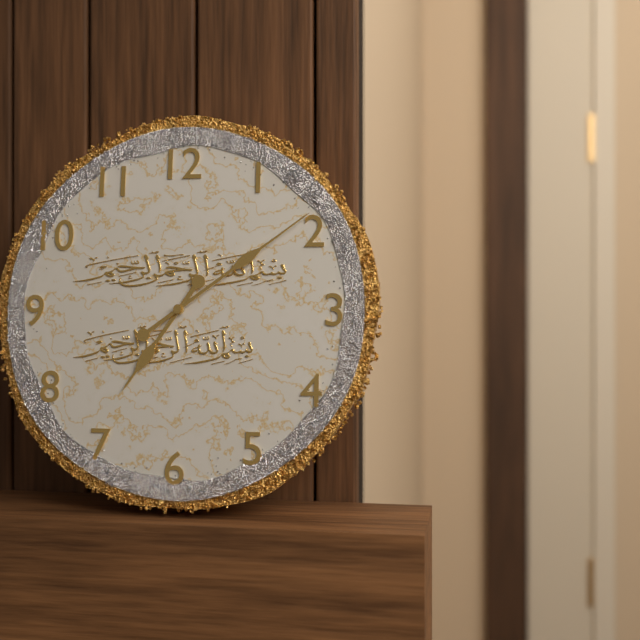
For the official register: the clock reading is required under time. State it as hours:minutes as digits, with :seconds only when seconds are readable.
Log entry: 7:09
